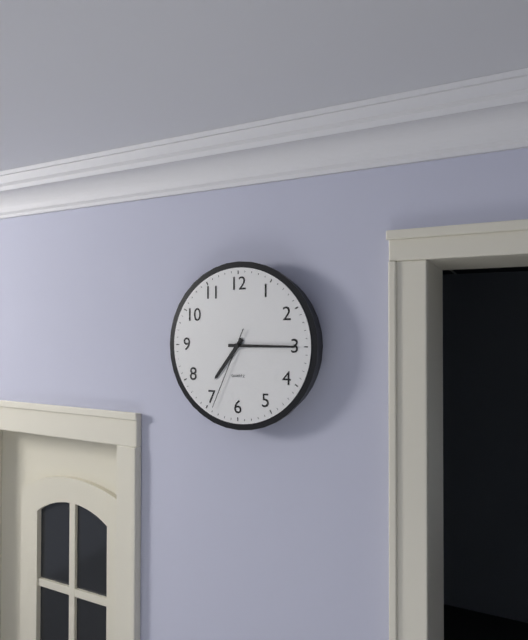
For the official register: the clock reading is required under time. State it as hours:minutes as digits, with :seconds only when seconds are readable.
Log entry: 7:15:34
